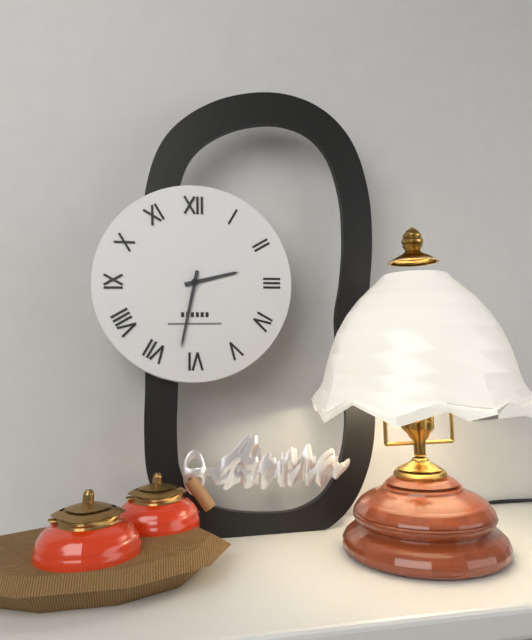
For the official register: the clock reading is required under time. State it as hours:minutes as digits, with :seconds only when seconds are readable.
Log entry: 2:32
